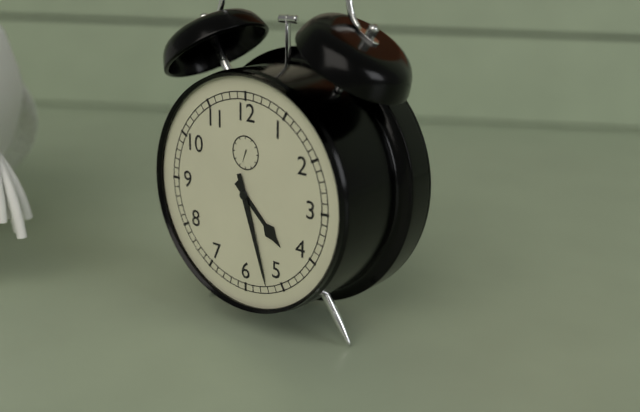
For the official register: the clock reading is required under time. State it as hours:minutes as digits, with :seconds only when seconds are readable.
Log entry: 4:27
